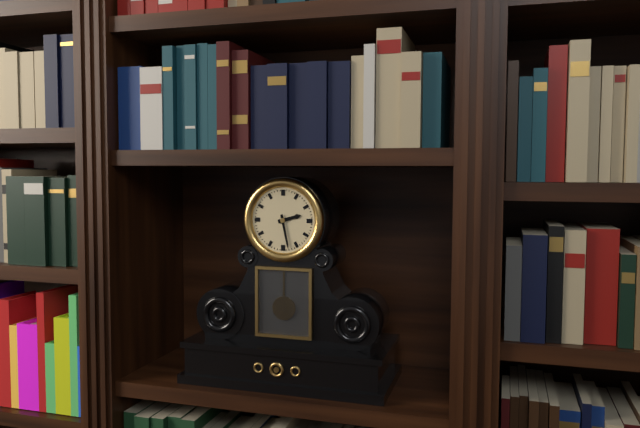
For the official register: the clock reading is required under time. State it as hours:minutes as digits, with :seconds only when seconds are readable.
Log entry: 2:28
